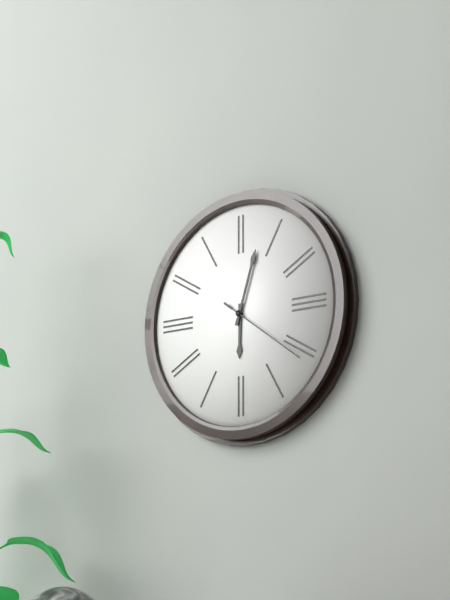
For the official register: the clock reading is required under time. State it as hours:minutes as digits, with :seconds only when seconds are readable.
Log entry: 6:03:21
